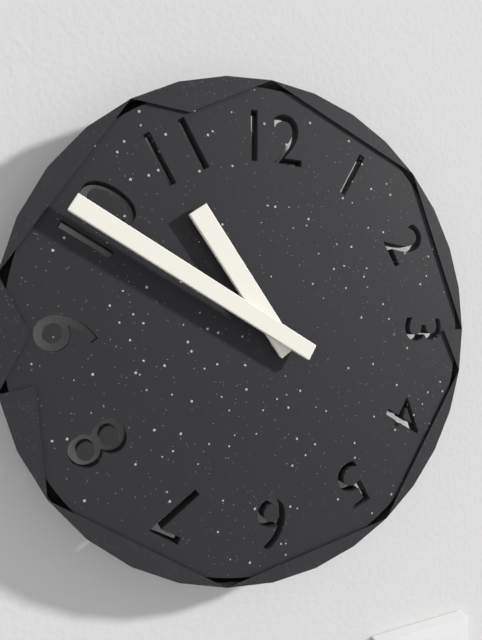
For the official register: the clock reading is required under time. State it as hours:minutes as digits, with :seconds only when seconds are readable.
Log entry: 10:50
